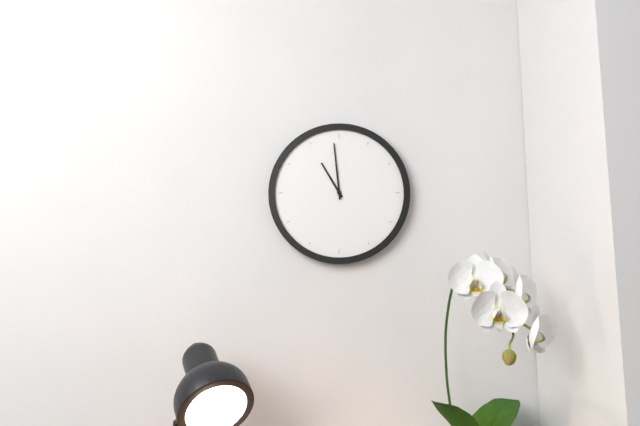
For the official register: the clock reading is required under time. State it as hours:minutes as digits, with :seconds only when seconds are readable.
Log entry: 10:59
